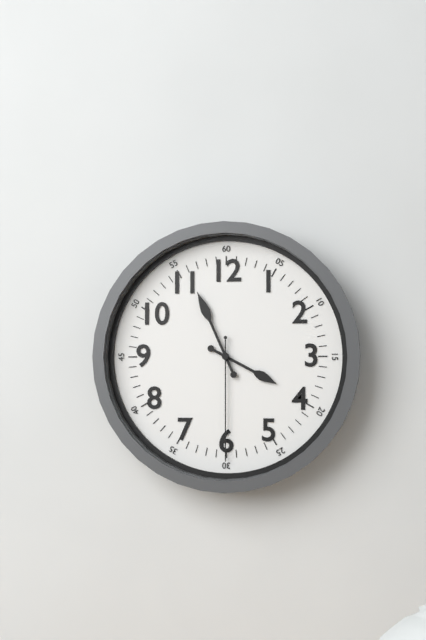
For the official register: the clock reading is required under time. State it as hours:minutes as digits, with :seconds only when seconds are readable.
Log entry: 3:56:30
